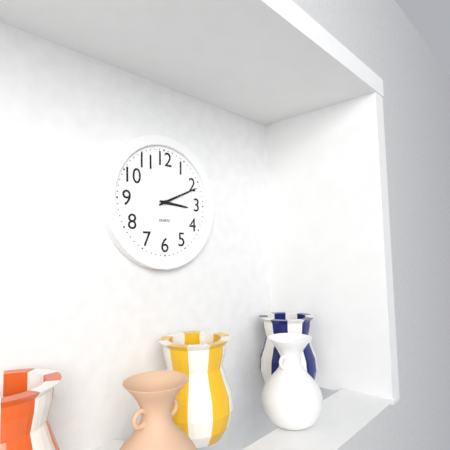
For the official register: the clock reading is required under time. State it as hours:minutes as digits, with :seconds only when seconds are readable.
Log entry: 3:11
